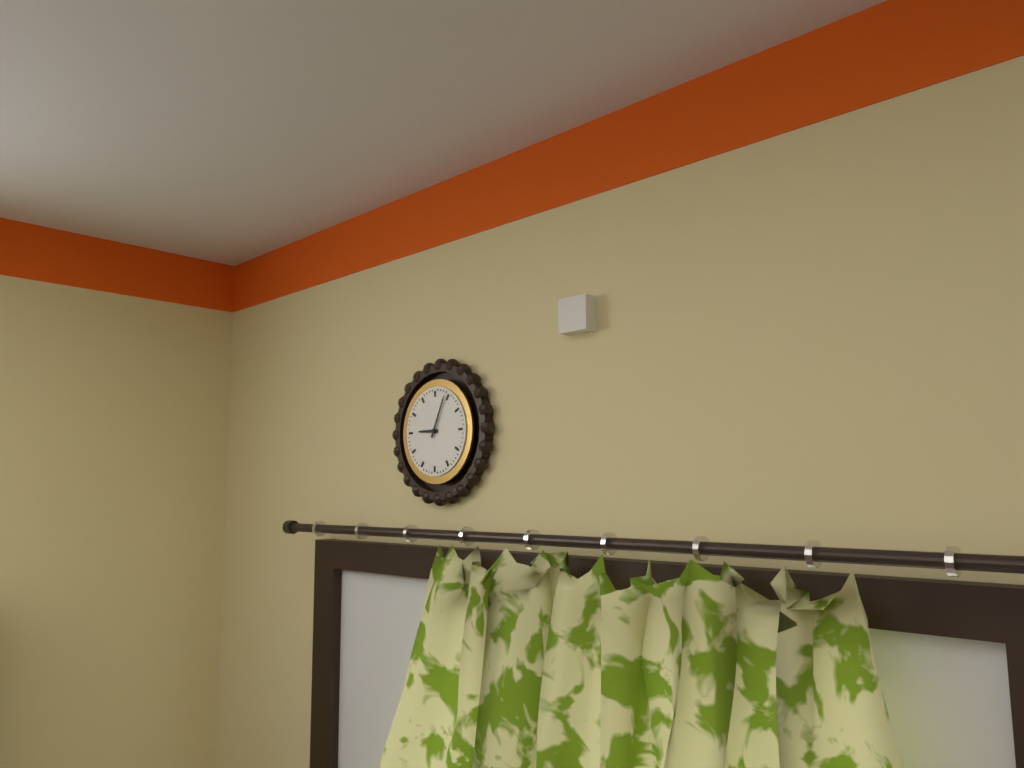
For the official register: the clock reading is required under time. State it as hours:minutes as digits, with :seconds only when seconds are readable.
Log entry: 9:04
